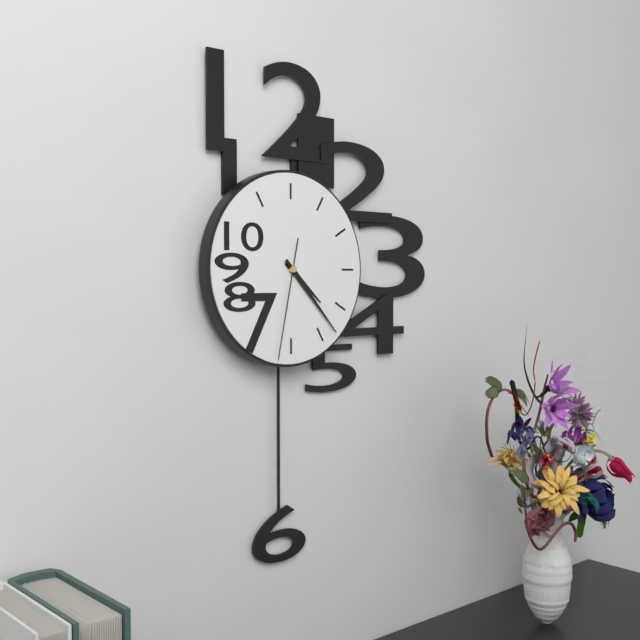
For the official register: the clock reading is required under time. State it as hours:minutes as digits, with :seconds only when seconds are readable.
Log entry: 4:23:32
